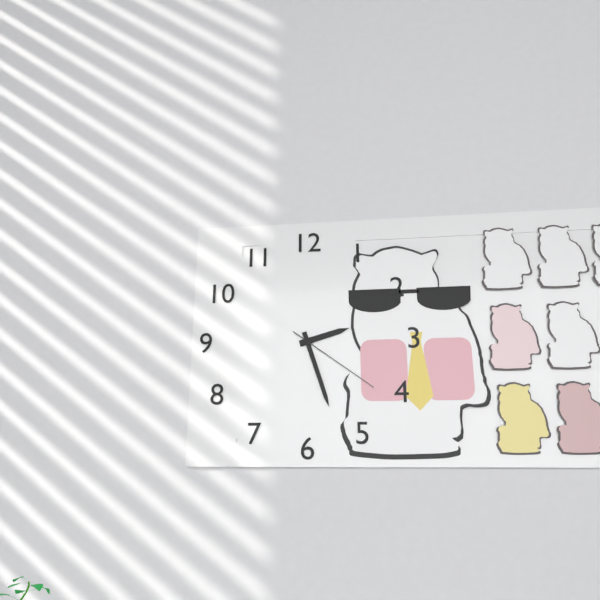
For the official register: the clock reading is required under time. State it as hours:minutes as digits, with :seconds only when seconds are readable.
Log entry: 2:27:21
